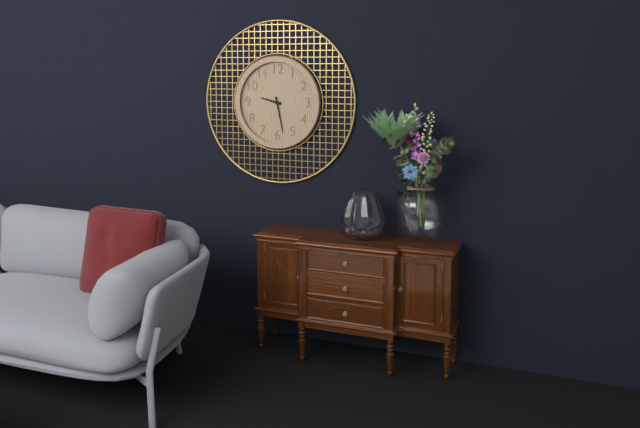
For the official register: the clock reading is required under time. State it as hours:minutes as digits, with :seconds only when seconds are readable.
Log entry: 9:28
